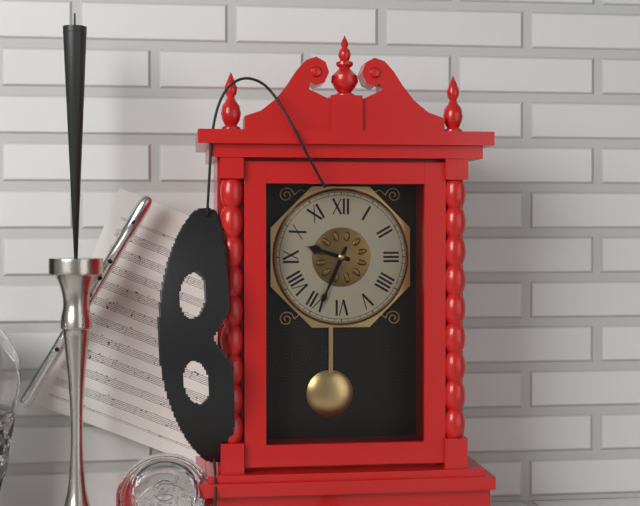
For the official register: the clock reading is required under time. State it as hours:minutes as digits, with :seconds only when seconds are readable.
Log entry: 9:34
